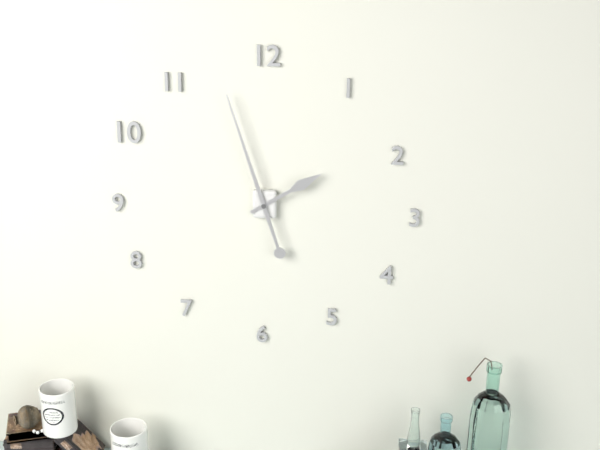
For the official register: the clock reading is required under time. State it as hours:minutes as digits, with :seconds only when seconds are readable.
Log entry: 1:57
